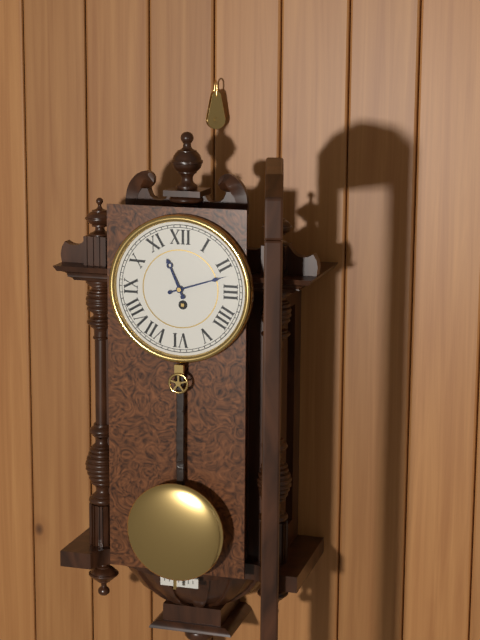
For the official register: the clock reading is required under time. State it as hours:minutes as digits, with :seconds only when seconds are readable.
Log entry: 11:12
